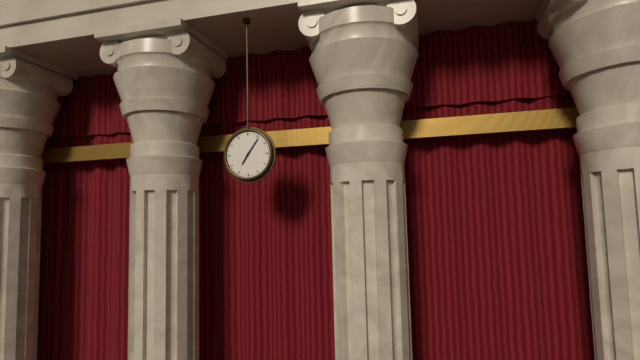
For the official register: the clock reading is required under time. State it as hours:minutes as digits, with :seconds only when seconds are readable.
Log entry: 7:06
